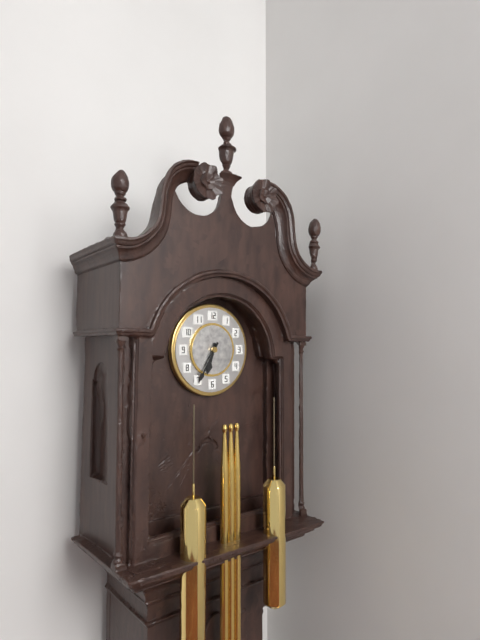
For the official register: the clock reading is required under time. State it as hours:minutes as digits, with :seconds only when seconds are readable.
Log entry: 6:35
